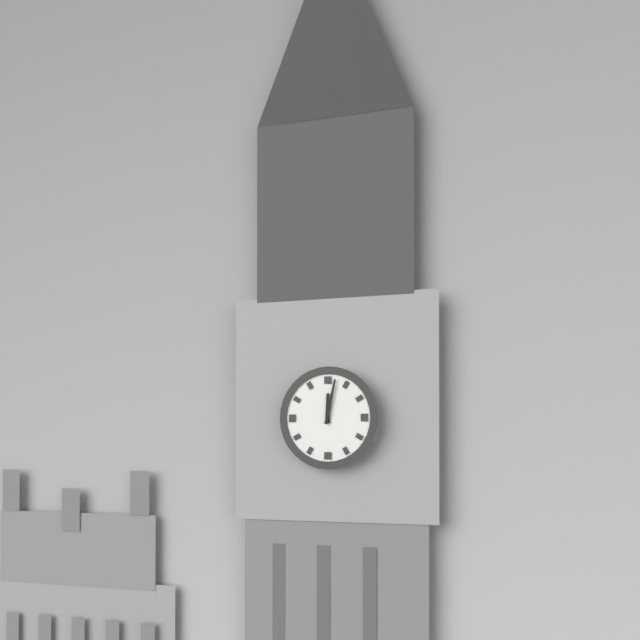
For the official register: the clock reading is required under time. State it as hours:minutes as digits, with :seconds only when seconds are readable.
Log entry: 12:02
